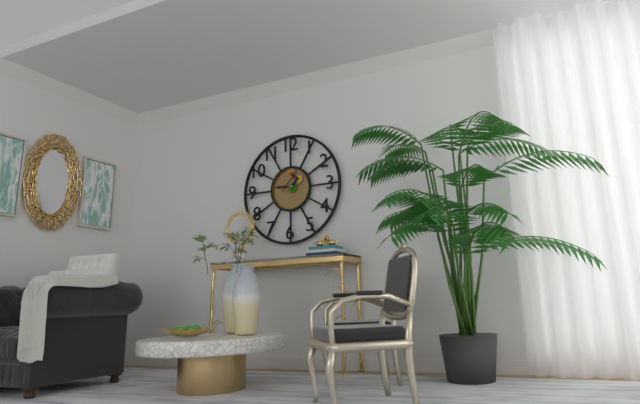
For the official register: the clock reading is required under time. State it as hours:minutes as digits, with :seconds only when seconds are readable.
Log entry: 9:07
